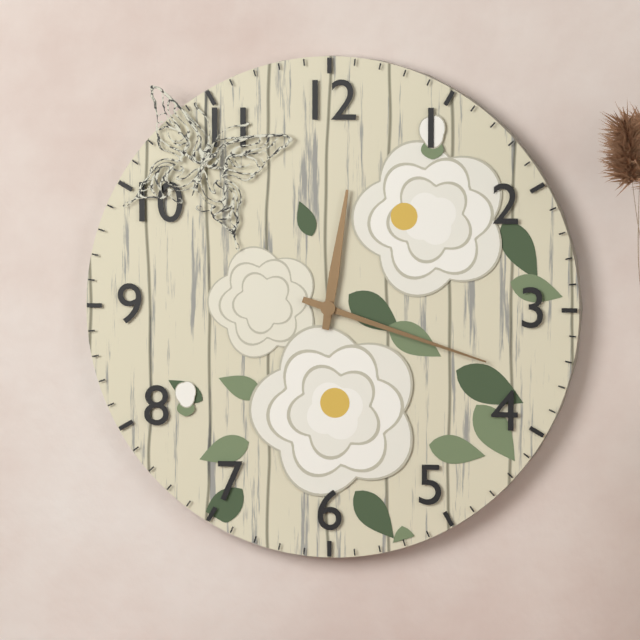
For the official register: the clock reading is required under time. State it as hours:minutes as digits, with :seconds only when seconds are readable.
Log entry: 12:18
